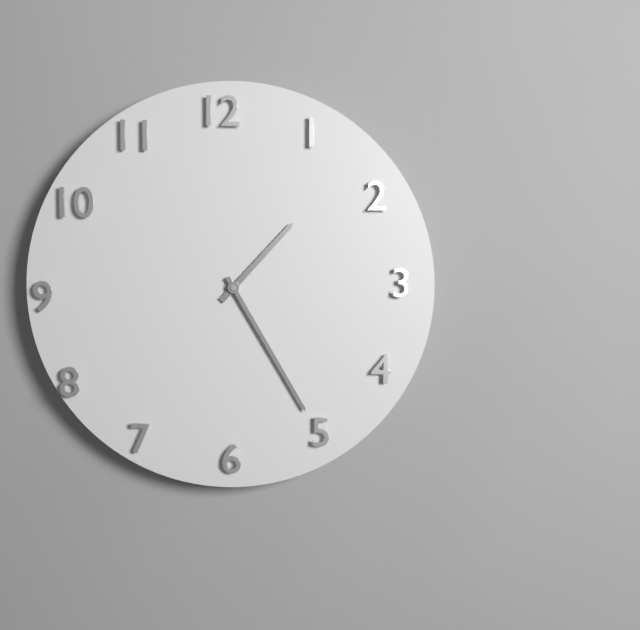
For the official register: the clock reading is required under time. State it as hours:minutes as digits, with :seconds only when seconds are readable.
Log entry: 1:25
